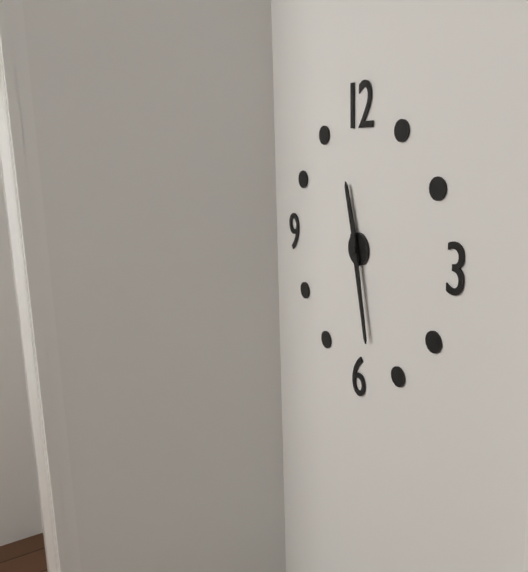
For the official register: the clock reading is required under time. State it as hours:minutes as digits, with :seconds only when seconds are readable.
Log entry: 11:28
